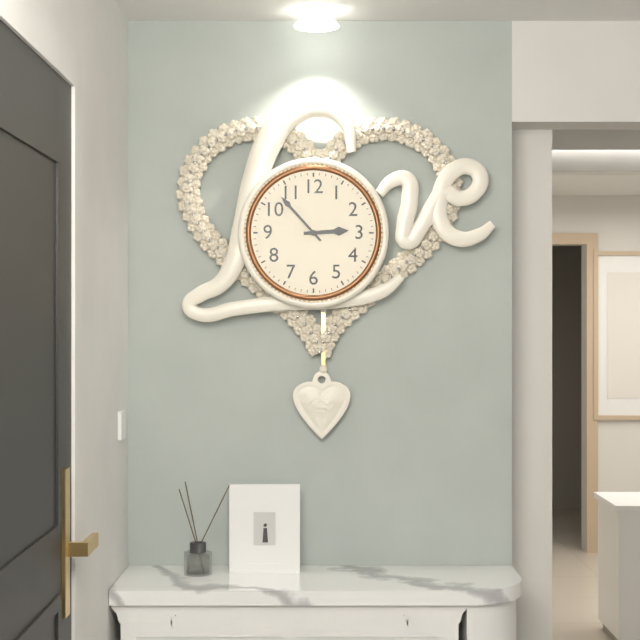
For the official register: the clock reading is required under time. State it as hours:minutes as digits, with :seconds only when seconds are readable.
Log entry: 2:53
